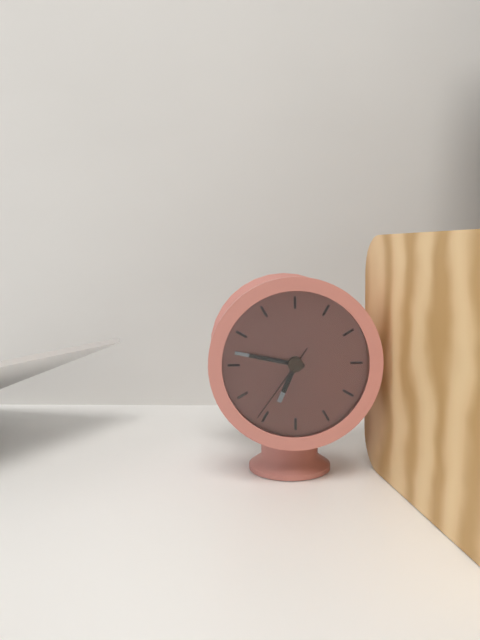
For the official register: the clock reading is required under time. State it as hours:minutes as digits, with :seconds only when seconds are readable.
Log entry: 6:47:36
